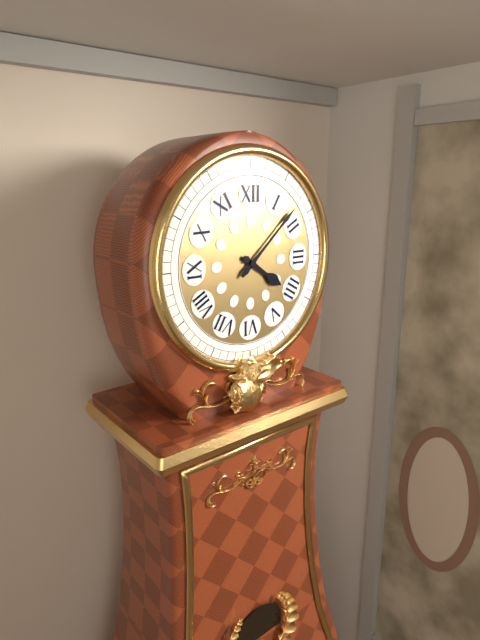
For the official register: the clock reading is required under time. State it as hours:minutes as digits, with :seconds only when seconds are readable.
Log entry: 4:08
